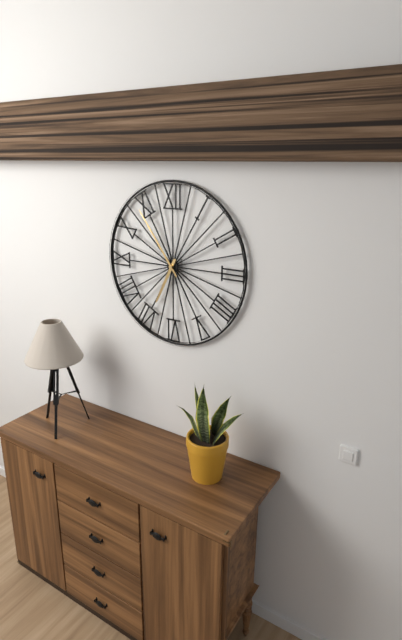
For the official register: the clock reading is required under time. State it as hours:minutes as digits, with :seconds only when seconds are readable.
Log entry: 6:54
